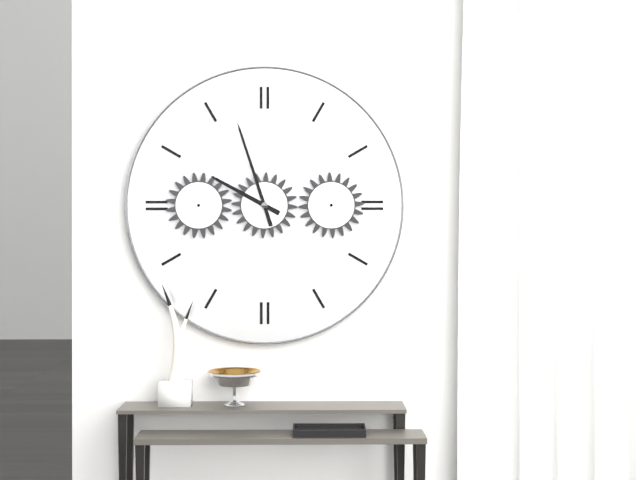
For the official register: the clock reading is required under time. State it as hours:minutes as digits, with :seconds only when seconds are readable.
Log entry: 9:57
